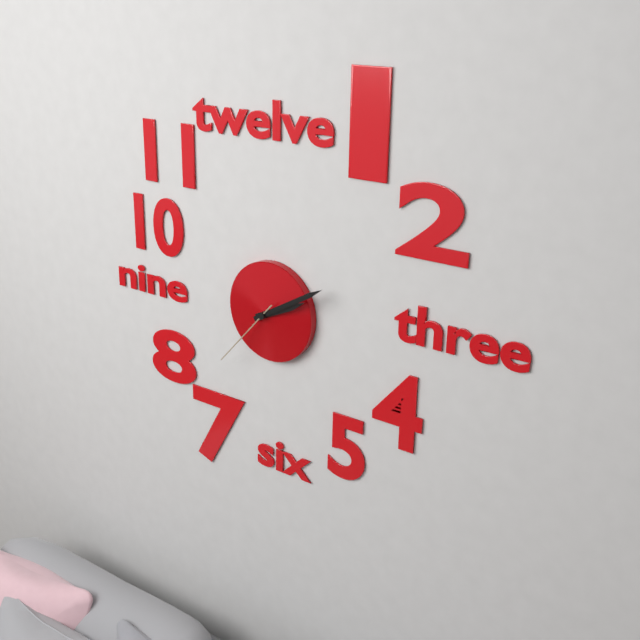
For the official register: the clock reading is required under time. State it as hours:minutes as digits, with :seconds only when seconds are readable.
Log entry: 2:10:37
